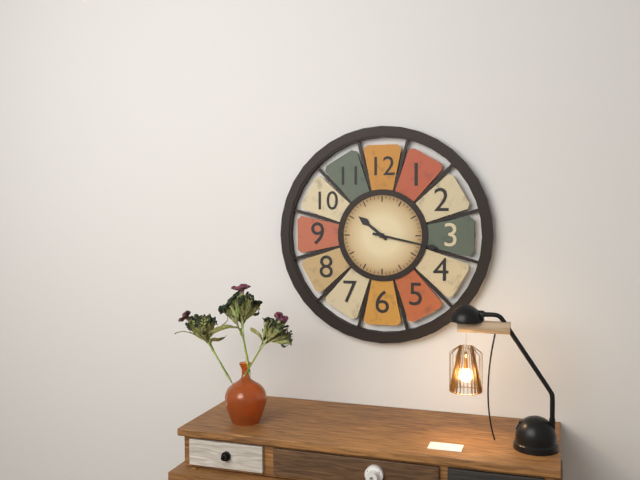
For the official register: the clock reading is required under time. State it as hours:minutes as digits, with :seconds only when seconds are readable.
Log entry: 10:17
